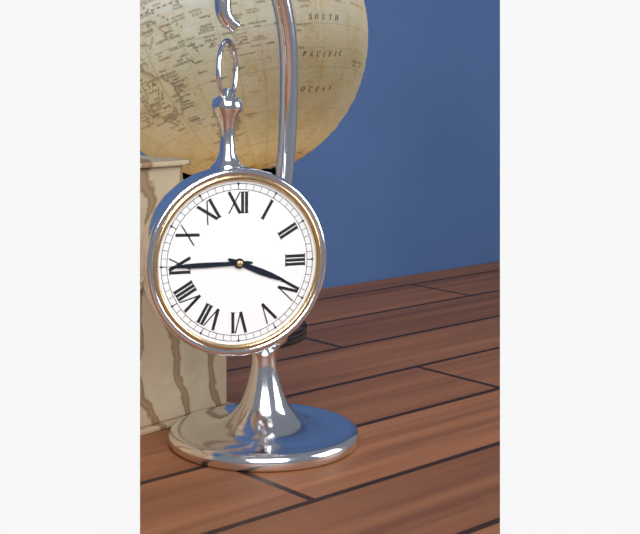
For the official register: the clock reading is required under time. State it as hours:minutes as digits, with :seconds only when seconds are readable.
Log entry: 3:45
